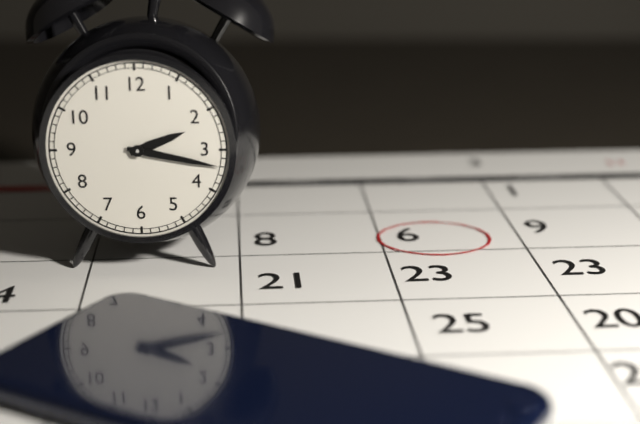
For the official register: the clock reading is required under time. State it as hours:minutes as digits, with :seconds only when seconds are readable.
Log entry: 2:17
